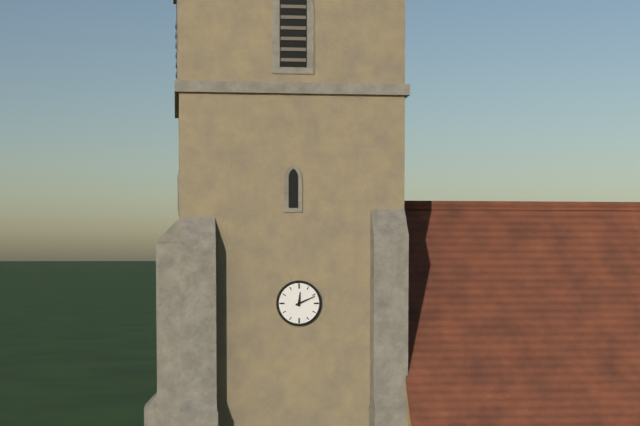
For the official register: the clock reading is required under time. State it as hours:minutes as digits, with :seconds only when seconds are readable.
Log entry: 12:11
